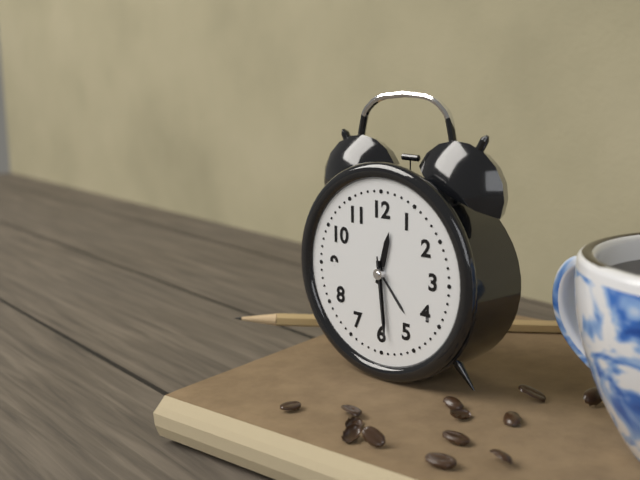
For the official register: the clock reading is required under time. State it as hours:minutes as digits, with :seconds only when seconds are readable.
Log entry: 12:29:29
